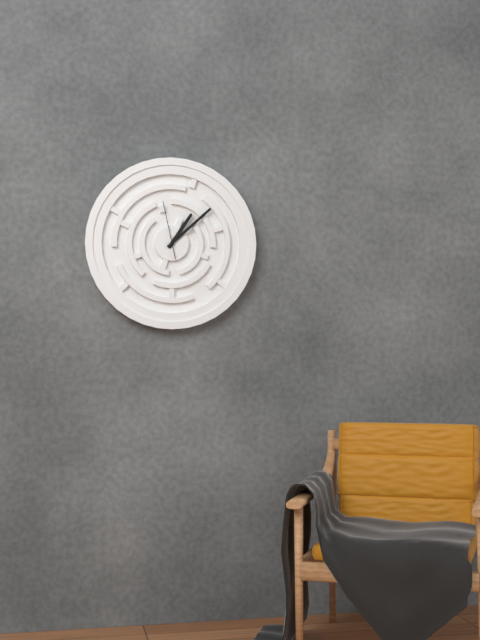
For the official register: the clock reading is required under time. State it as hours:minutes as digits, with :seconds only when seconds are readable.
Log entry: 1:08:58
